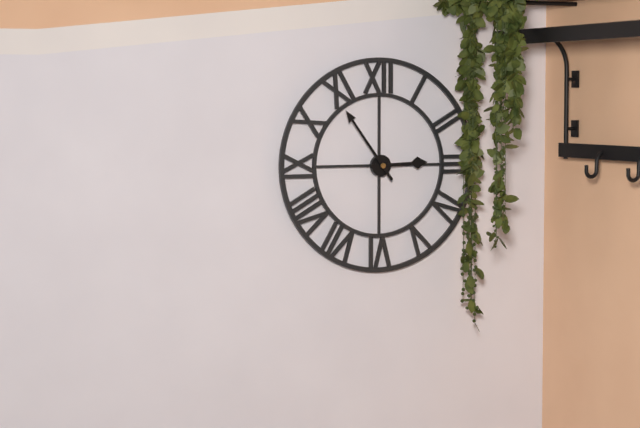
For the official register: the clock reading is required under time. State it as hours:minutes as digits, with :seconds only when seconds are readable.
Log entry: 2:54
